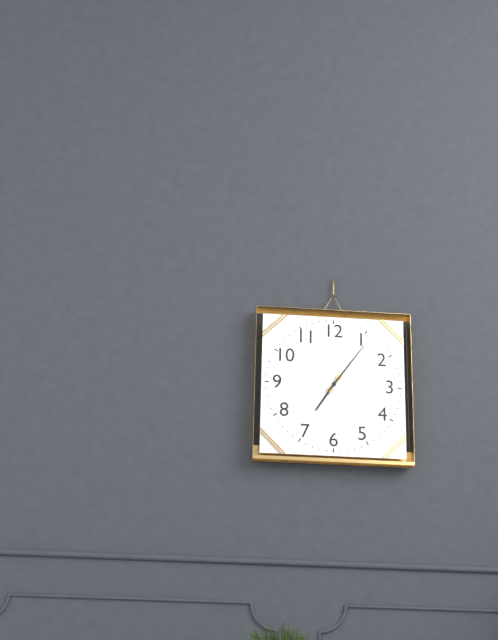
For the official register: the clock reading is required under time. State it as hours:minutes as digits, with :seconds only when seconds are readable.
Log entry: 7:06
